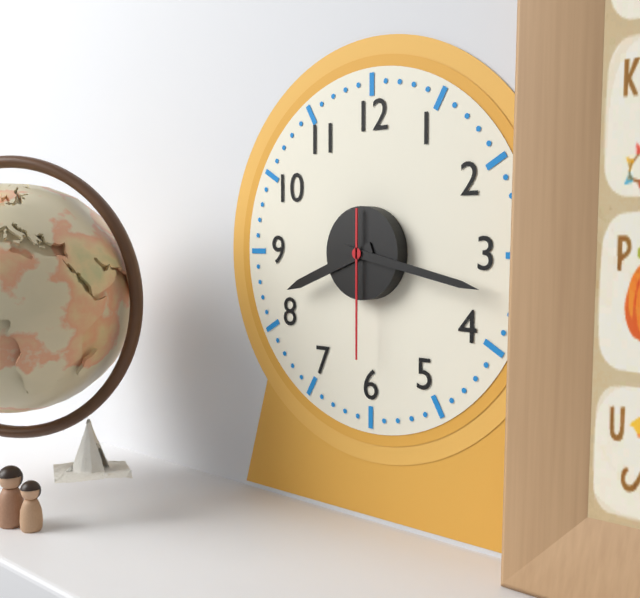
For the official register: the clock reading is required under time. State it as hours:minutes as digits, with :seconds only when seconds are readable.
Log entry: 8:17:30
